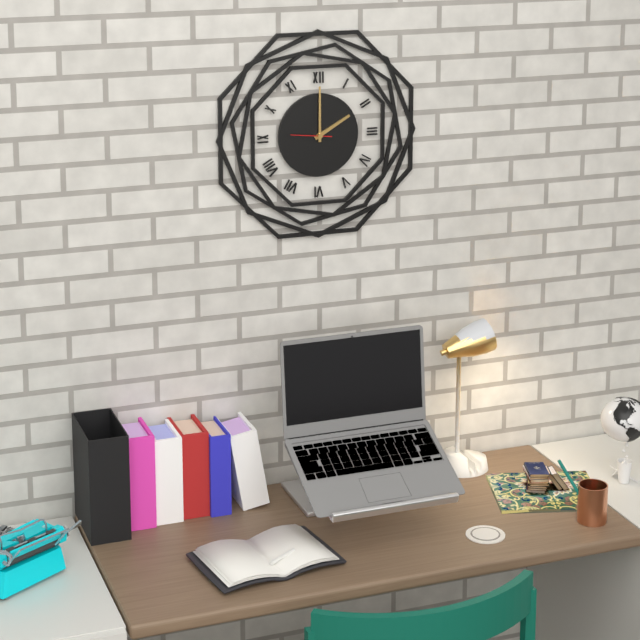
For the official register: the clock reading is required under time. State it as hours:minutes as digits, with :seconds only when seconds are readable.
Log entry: 2:00
